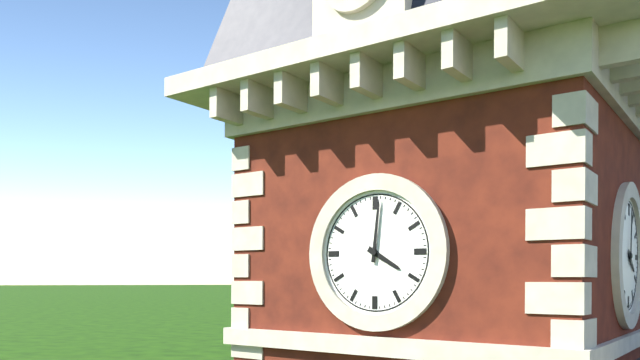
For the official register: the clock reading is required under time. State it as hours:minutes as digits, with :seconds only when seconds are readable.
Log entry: 4:01
